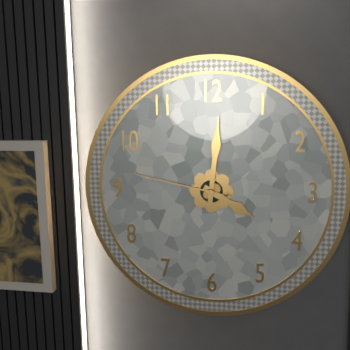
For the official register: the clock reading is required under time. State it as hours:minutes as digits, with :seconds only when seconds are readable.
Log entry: 4:01:47
